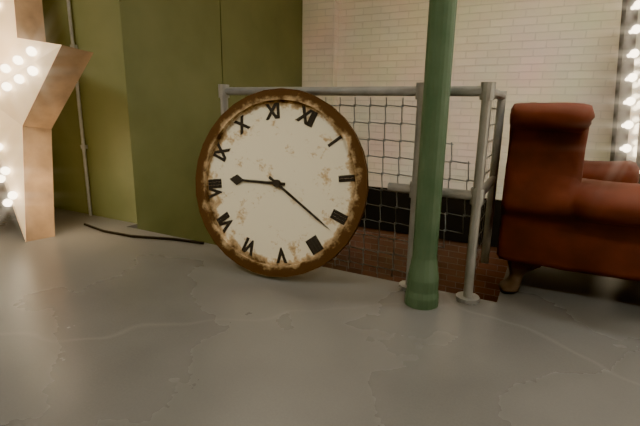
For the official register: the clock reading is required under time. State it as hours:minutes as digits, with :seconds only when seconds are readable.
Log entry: 8:17
